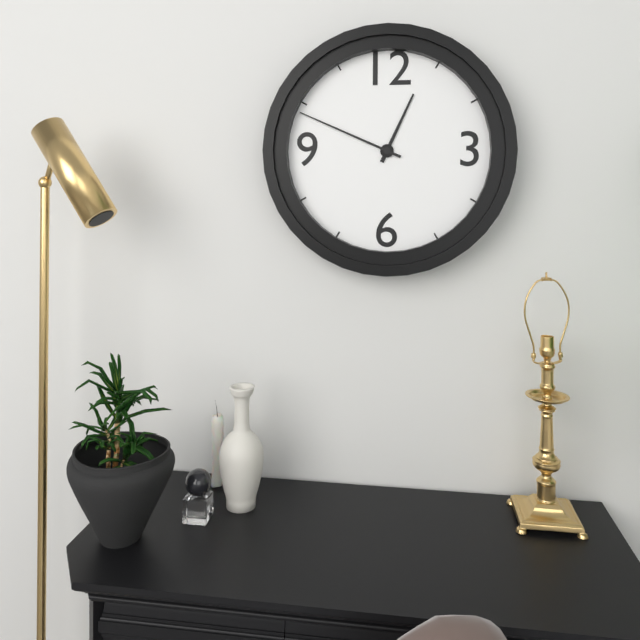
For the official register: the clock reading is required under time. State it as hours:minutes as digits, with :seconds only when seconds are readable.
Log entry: 12:49
